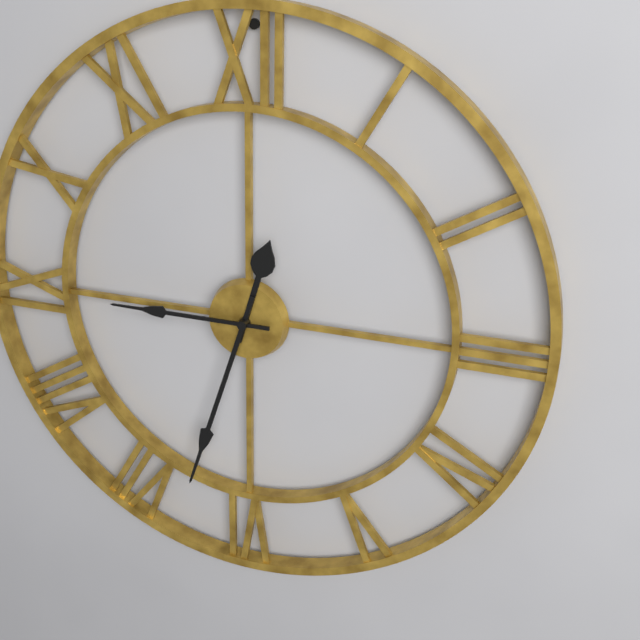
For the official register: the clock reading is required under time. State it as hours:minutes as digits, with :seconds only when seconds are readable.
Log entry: 12:33:45
